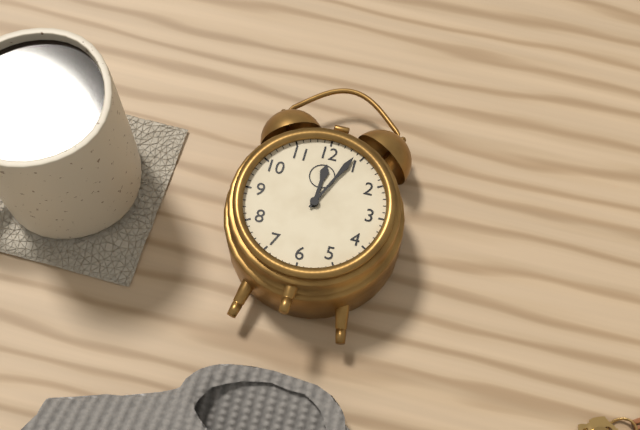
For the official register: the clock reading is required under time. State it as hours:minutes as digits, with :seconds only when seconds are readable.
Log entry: 12:04
